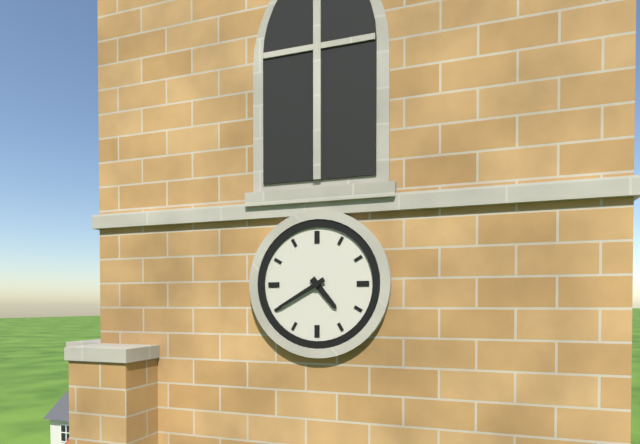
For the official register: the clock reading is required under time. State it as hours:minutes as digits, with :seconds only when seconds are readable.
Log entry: 4:40
